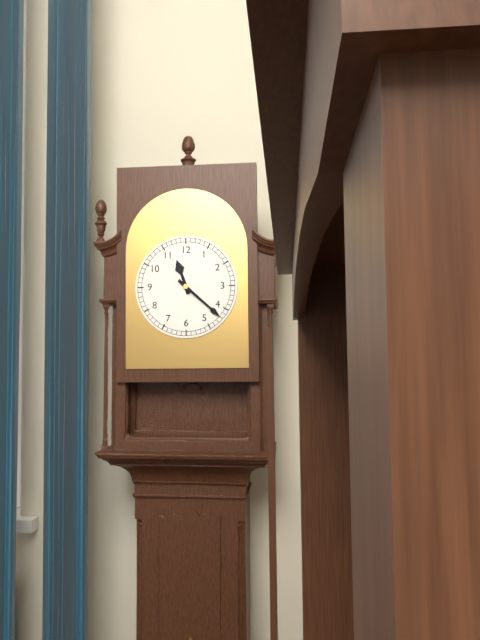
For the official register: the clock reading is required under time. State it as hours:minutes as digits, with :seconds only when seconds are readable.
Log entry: 11:22
